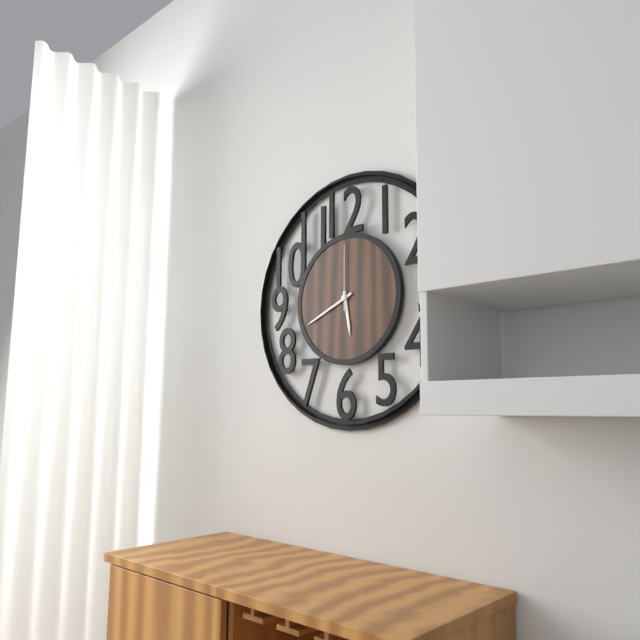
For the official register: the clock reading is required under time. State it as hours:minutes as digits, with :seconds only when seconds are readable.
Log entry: 5:41:00
